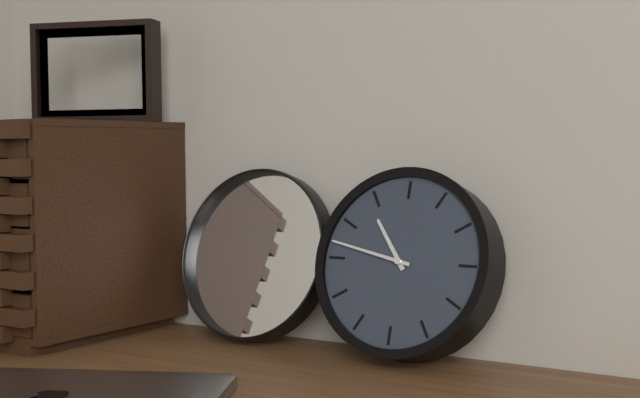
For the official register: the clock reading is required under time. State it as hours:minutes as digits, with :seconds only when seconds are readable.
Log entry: 10:47
